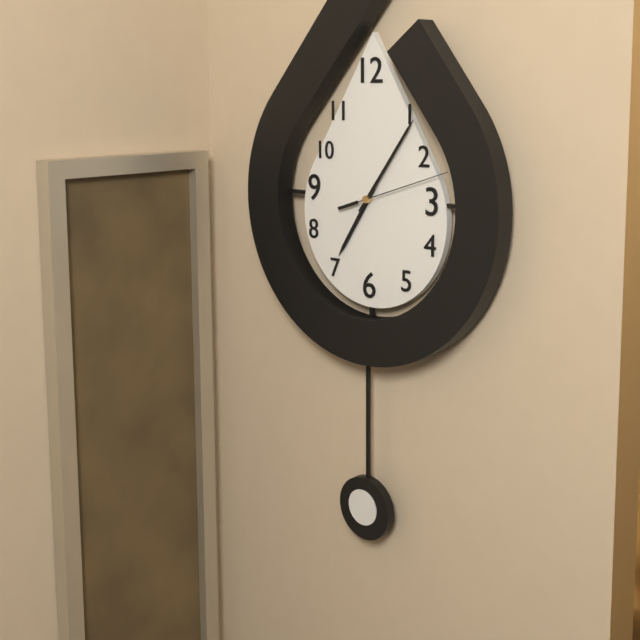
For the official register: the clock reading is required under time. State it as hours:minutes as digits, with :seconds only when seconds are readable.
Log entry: 7:06:12
